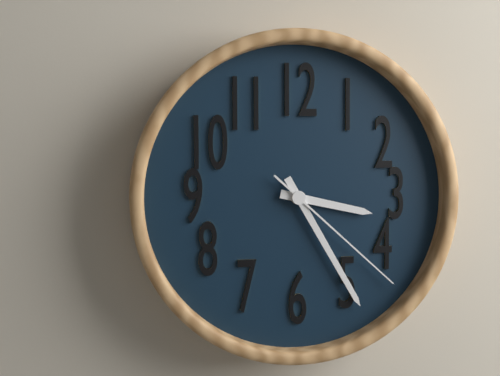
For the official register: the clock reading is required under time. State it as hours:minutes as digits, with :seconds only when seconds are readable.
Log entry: 3:25:22
